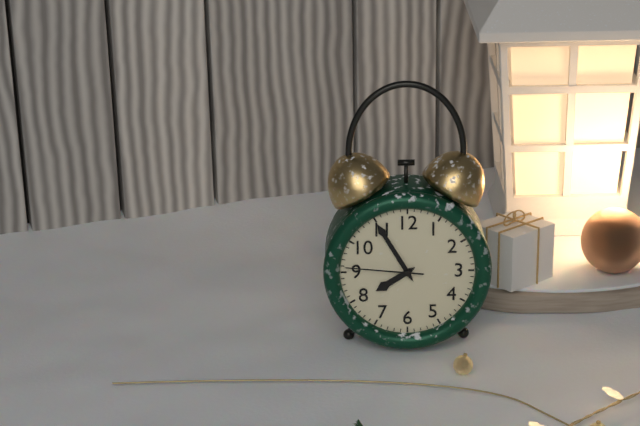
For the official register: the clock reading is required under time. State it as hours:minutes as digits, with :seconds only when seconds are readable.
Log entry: 7:55:46
